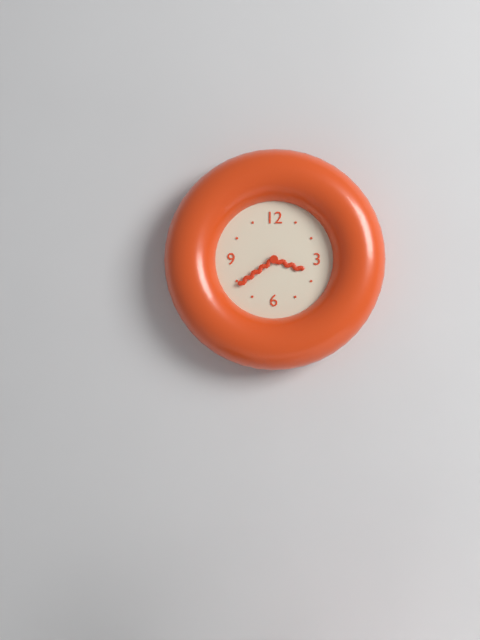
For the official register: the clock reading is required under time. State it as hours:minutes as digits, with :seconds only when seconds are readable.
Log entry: 3:39
